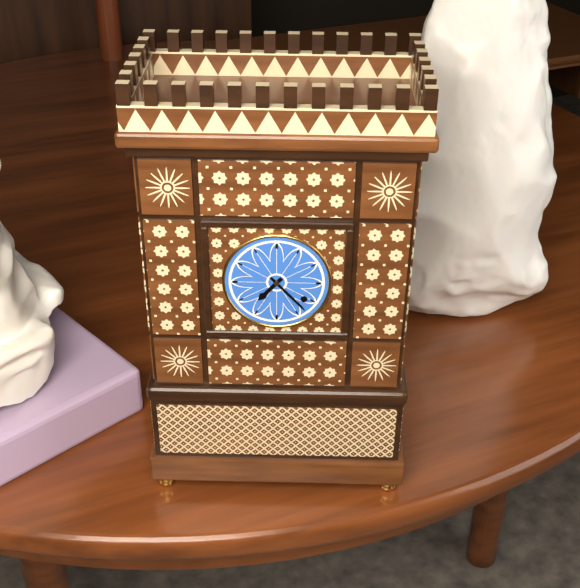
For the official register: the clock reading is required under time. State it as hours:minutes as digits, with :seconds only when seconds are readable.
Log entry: 7:23
